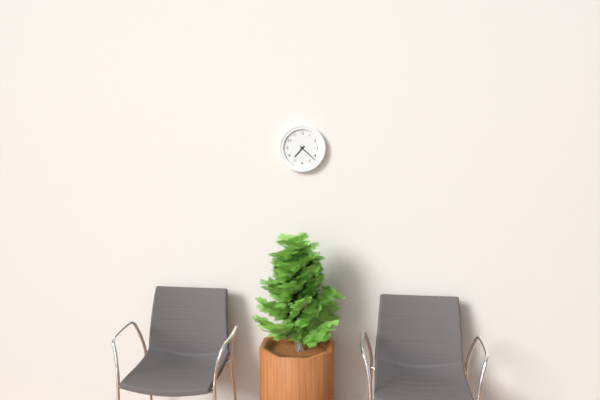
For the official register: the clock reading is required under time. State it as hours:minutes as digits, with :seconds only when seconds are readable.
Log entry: 7:22
